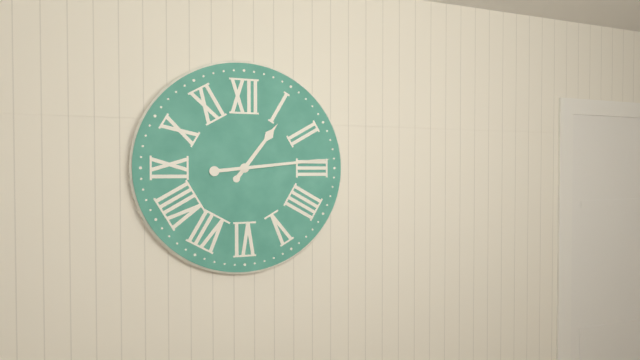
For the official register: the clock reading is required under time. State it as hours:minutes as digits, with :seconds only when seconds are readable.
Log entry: 1:14
